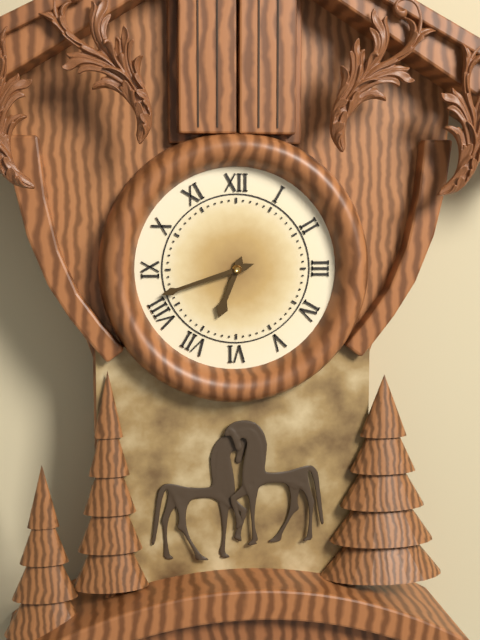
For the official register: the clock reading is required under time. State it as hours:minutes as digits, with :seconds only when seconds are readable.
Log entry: 6:42
